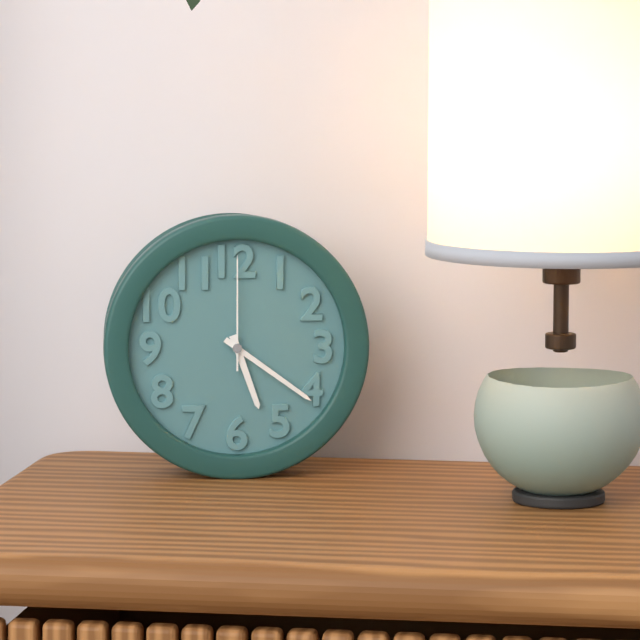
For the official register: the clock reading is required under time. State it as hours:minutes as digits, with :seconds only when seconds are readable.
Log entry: 5:21:00
